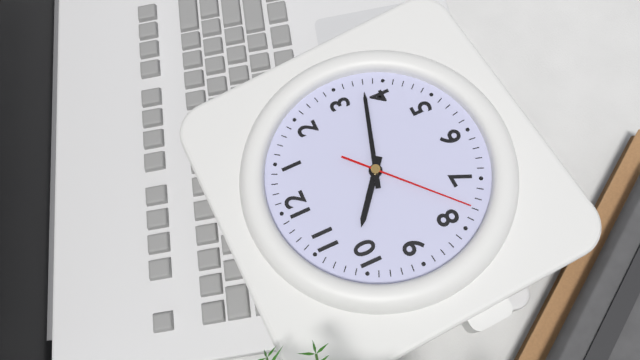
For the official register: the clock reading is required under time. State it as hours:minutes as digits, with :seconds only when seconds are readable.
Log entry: 10:18:38
